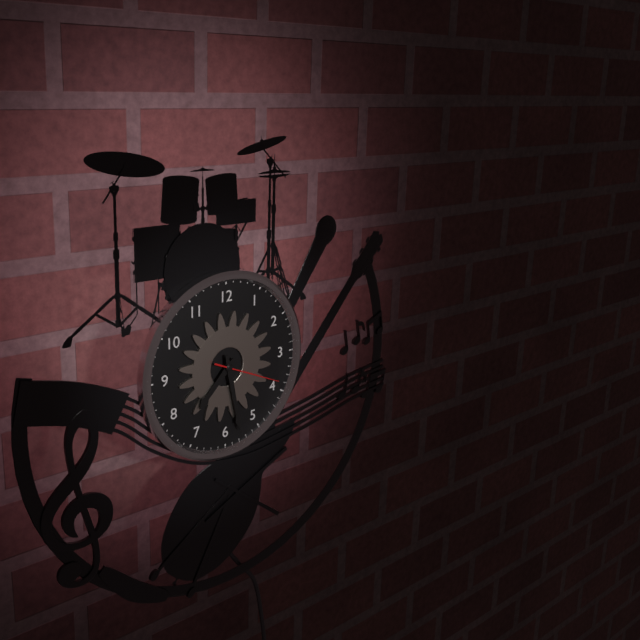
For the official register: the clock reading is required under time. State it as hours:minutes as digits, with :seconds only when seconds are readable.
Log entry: 7:28:19
